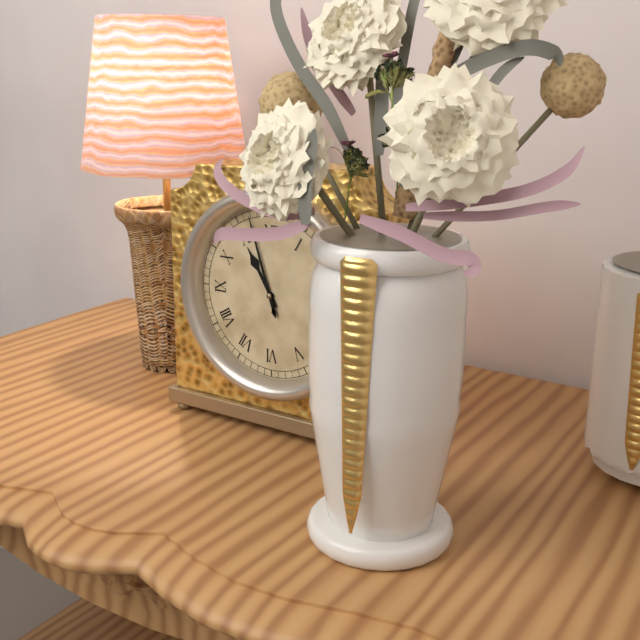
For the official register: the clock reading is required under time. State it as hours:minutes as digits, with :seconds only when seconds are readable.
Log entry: 10:57
